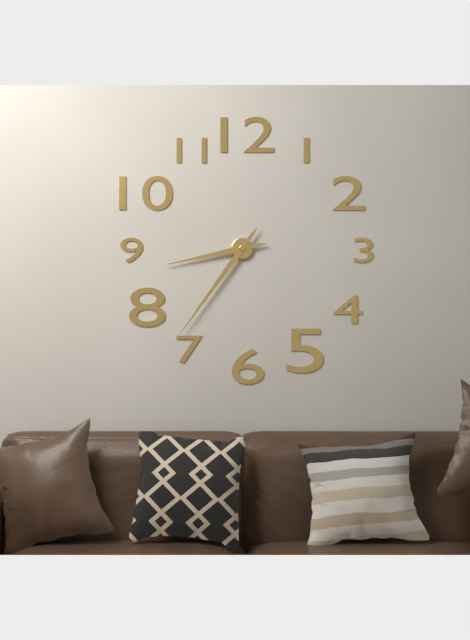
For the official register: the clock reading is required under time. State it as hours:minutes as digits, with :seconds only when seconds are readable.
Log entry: 8:36
